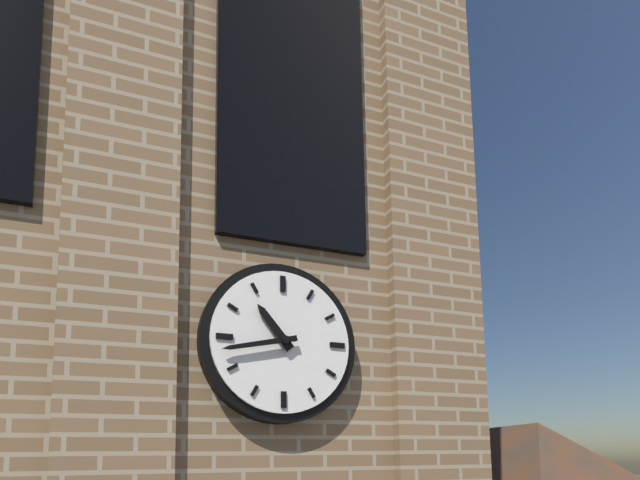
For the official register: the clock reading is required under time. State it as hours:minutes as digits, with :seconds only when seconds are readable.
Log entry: 10:43
